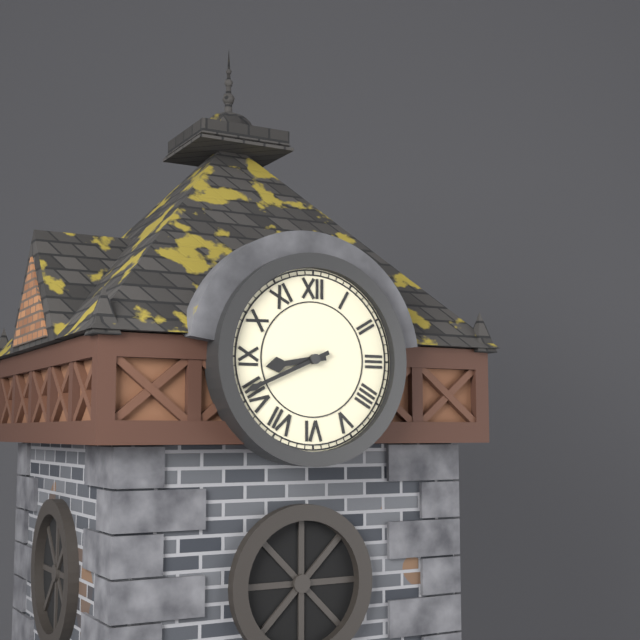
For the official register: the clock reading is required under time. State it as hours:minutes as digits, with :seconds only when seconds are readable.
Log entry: 8:41
